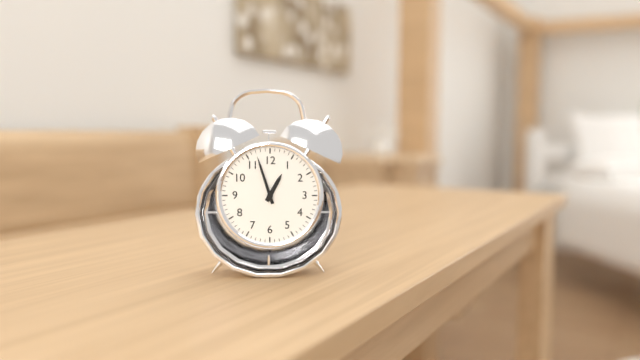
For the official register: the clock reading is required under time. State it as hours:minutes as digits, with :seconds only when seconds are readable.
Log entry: 12:57
